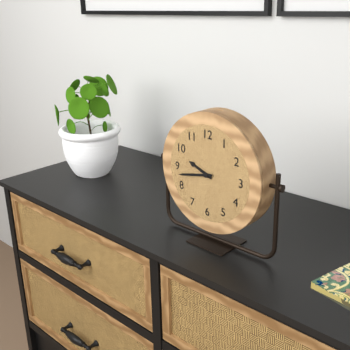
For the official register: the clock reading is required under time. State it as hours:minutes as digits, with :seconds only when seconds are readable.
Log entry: 9:43
